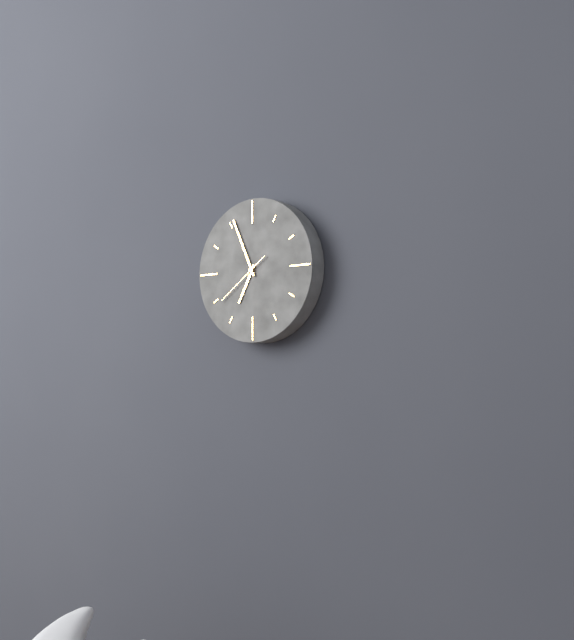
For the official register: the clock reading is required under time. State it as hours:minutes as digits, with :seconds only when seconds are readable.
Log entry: 6:56:39
